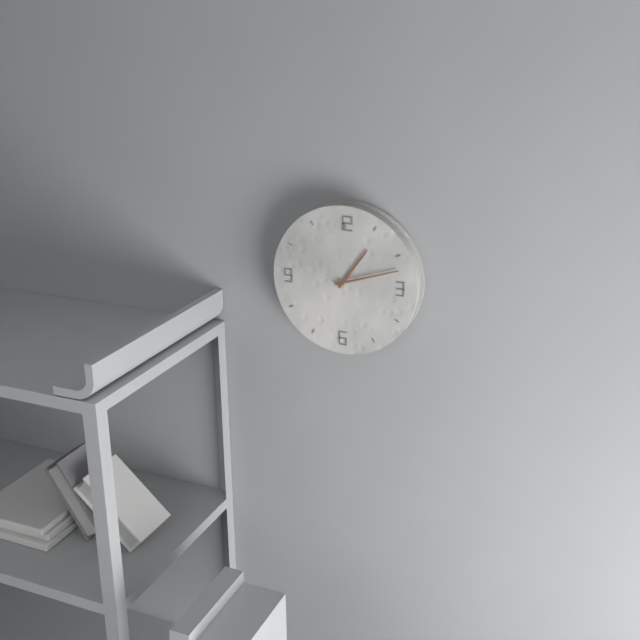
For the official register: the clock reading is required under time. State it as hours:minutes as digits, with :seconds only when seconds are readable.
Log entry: 1:12
